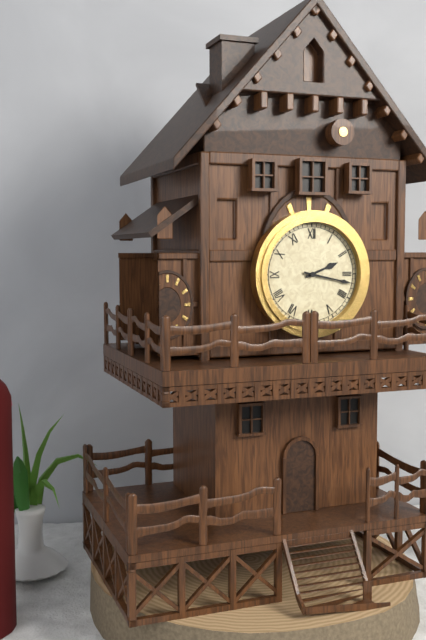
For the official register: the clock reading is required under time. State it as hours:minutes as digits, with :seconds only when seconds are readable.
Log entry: 2:17
